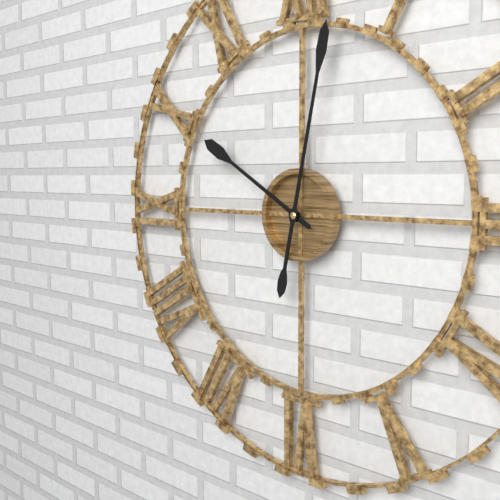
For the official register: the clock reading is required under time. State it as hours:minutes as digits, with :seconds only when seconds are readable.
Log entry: 10:02
